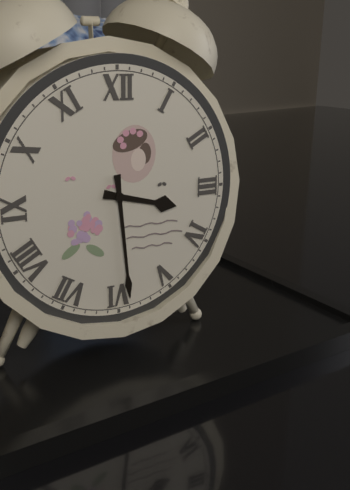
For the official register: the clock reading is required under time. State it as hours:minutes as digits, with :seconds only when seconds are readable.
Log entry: 3:29
